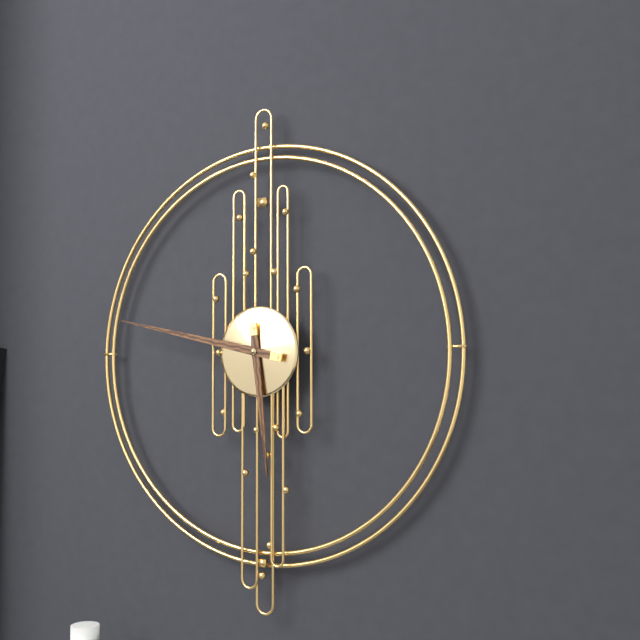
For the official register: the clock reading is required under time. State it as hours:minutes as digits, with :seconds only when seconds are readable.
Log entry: 5:47
